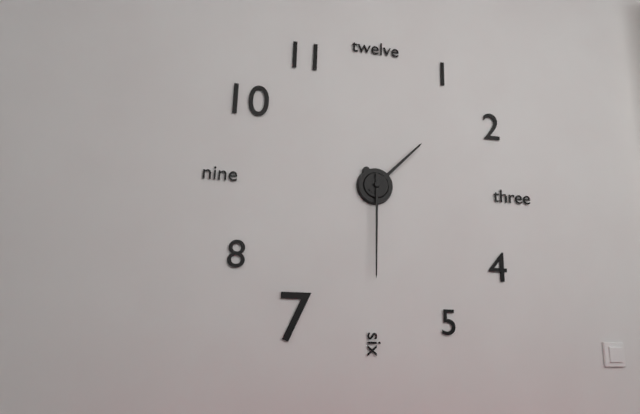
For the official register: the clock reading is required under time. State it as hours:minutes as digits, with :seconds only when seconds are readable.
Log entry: 1:30
